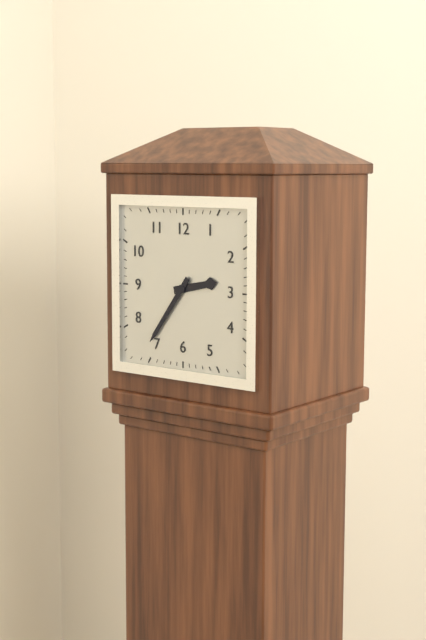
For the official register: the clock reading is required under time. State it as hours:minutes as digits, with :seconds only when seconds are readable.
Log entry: 2:36
